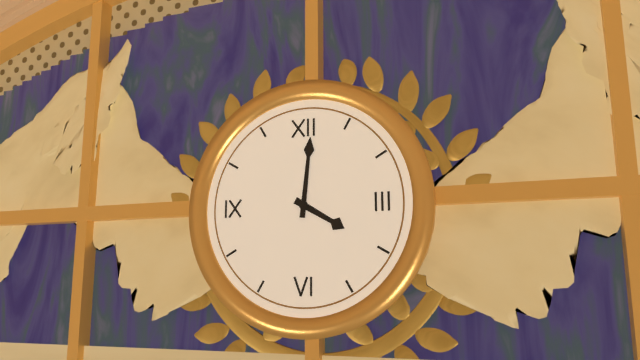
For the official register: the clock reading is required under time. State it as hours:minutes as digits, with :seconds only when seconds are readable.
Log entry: 4:01
